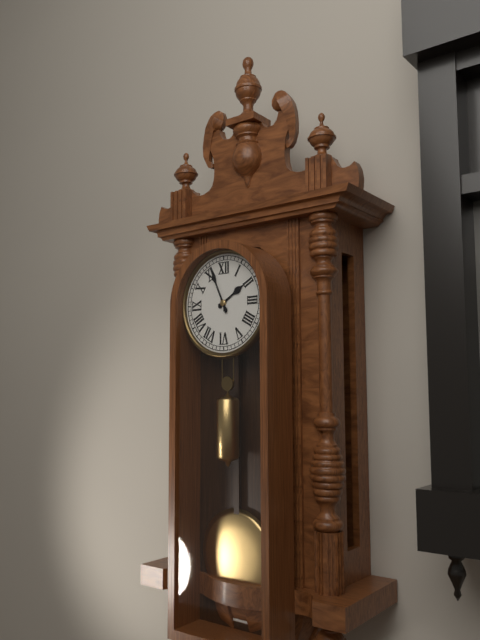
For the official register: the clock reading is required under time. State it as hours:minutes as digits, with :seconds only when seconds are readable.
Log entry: 1:56
